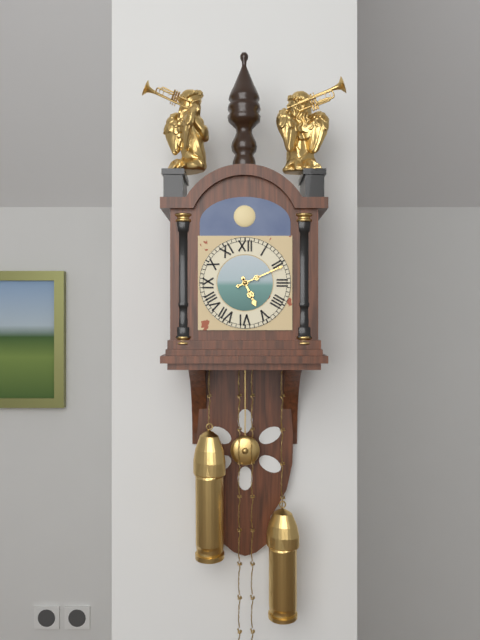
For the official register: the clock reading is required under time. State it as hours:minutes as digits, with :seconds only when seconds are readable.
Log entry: 5:11
